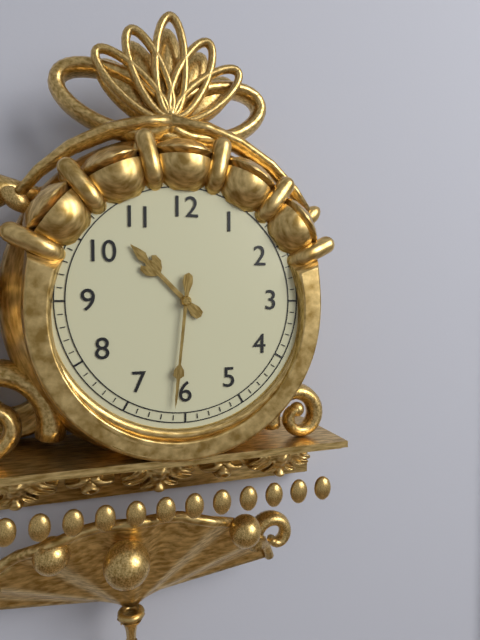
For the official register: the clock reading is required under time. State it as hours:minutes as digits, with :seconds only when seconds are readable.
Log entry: 10:31
